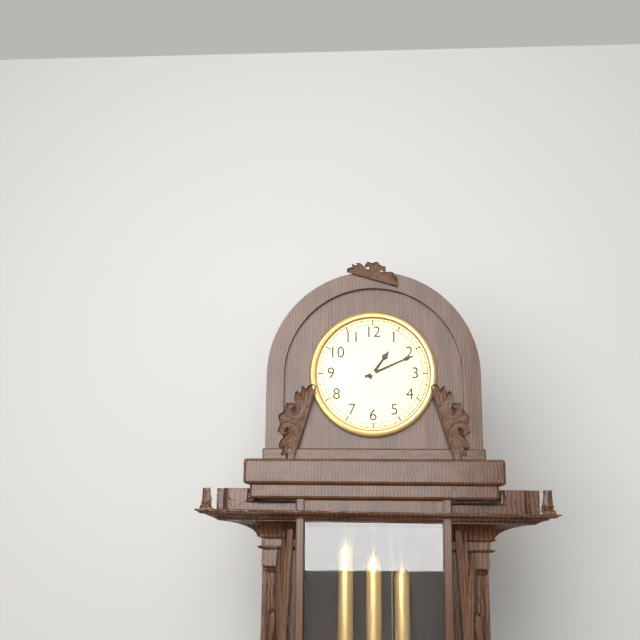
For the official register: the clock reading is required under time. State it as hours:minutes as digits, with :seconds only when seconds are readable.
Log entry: 1:11
